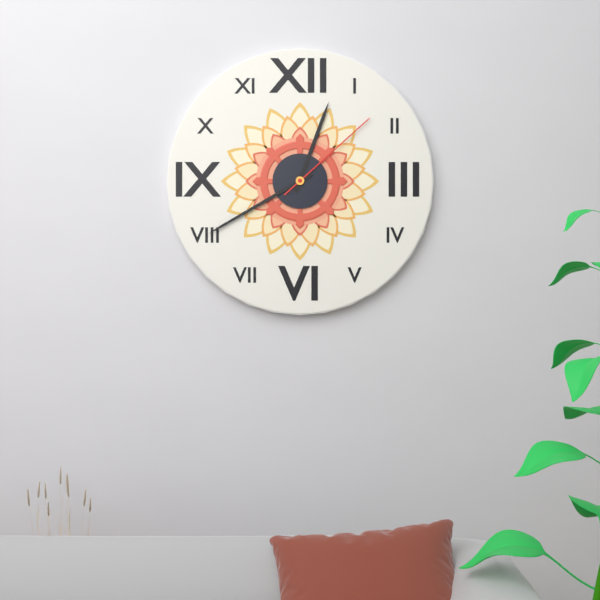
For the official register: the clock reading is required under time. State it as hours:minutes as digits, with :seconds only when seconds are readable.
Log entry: 12:40:08
